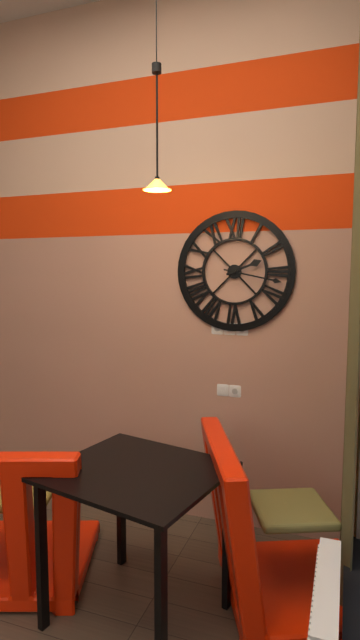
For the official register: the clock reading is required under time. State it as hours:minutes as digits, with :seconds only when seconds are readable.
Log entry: 2:17
